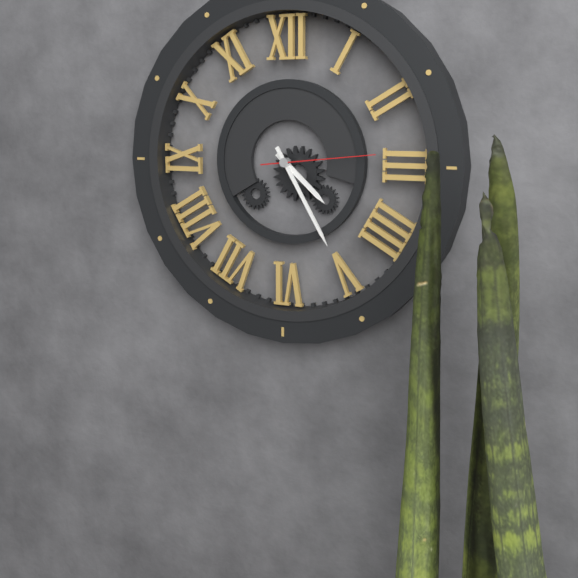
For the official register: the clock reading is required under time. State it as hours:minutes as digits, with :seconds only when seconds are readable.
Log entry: 4:25:14
